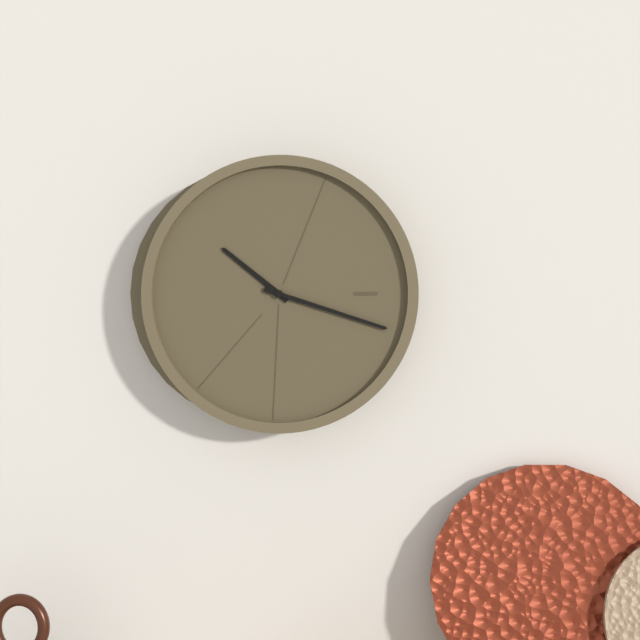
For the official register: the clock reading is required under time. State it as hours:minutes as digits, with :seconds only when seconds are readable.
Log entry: 10:18
